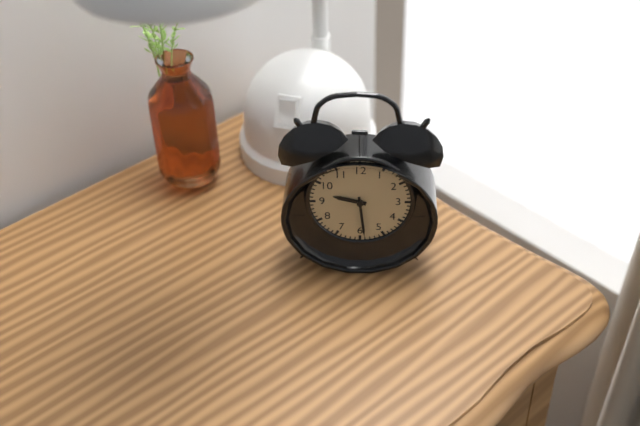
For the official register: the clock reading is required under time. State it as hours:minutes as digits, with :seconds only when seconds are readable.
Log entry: 9:29
